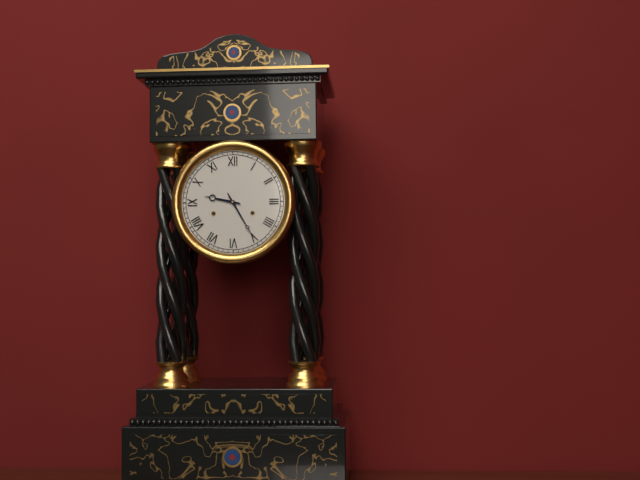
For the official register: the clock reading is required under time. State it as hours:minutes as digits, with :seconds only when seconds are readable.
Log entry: 9:25
